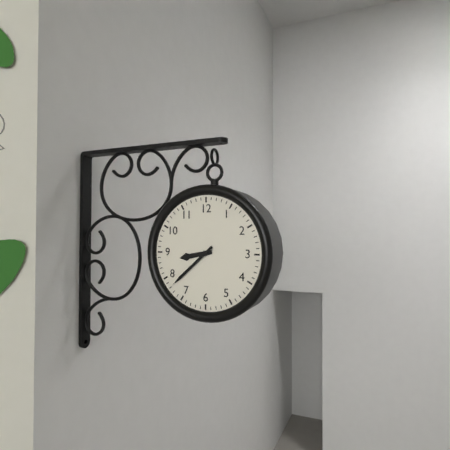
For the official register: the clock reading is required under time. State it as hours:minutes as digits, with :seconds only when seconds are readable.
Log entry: 8:38
